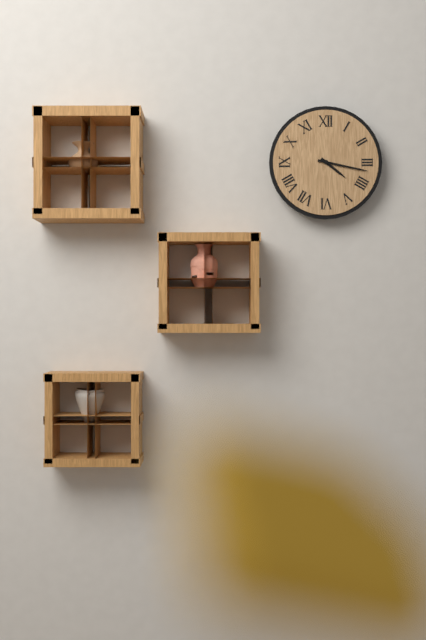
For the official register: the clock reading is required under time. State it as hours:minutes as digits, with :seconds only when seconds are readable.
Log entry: 4:17
